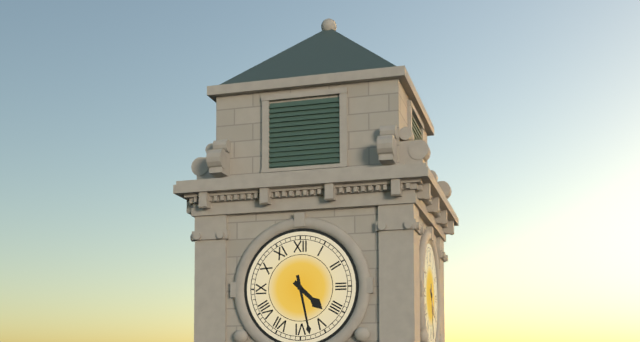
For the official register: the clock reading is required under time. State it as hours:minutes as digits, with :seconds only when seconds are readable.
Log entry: 4:28
